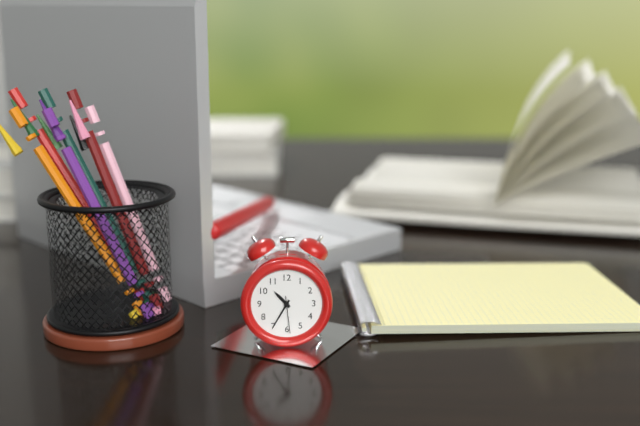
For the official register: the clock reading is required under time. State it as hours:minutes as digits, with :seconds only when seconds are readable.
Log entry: 10:35
